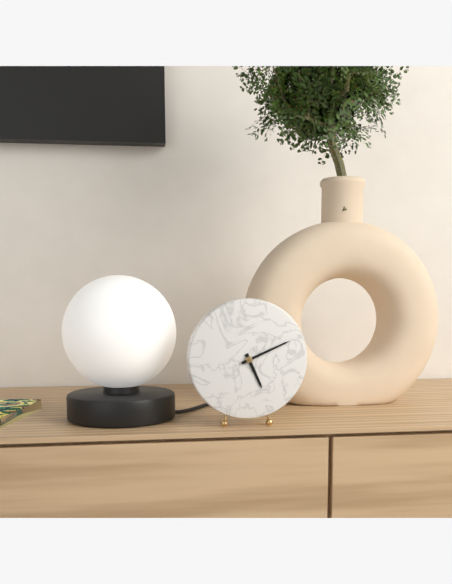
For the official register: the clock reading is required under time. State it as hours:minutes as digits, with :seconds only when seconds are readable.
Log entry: 5:11
